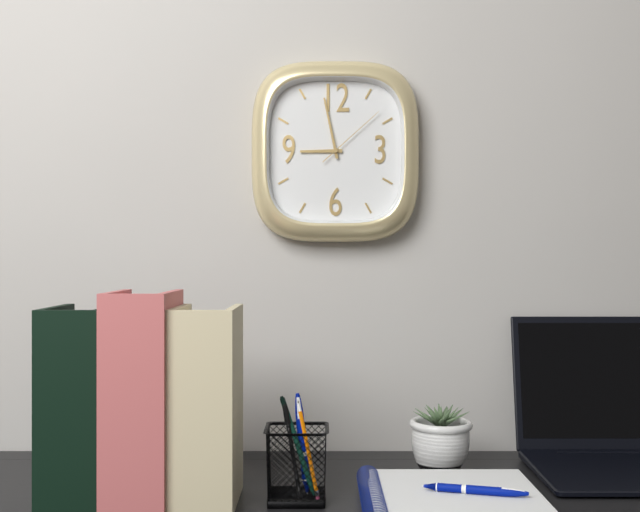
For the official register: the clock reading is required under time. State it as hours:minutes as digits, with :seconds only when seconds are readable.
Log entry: 8:58:08
